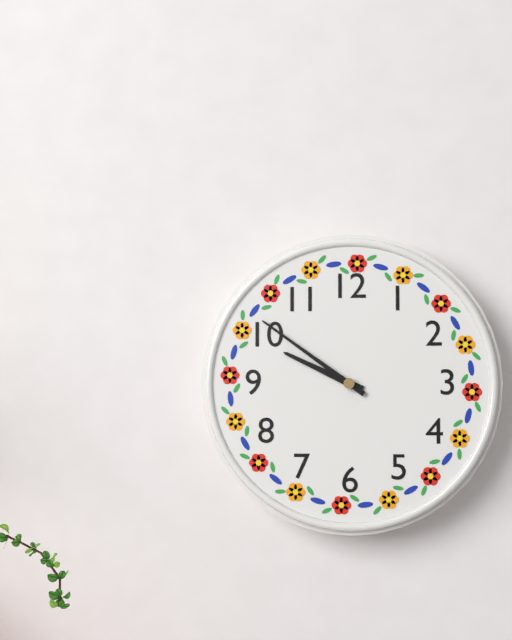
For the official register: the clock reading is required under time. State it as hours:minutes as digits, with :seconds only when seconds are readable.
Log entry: 9:51
